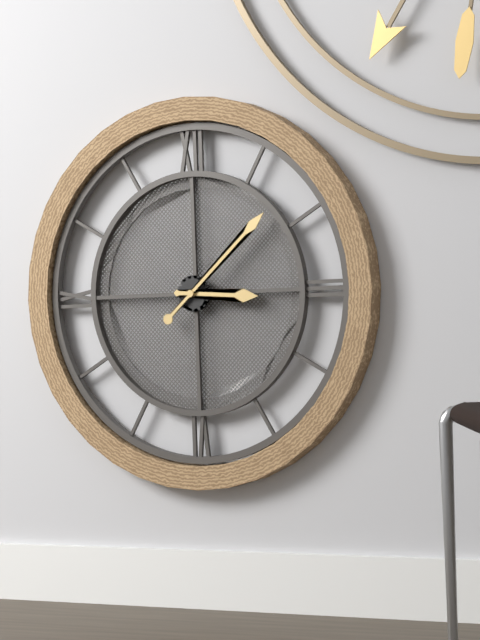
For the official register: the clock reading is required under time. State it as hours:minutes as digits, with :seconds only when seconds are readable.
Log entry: 3:08
